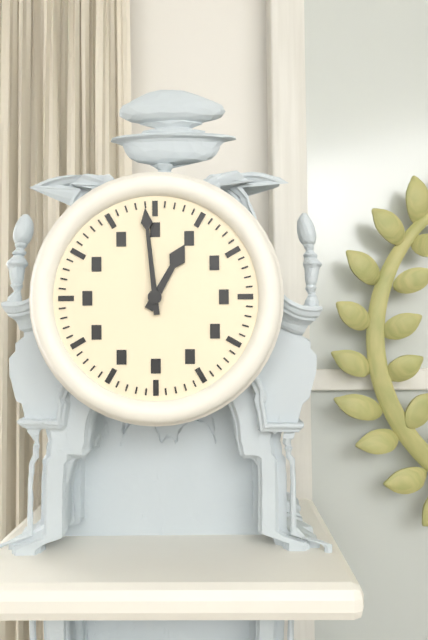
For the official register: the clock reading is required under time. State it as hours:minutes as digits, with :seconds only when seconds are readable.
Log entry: 12:59
